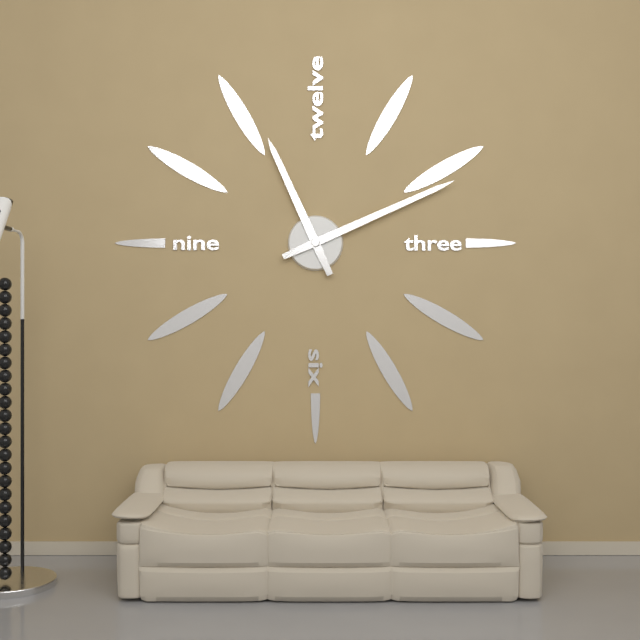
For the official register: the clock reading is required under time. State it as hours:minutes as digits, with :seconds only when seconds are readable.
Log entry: 11:11
